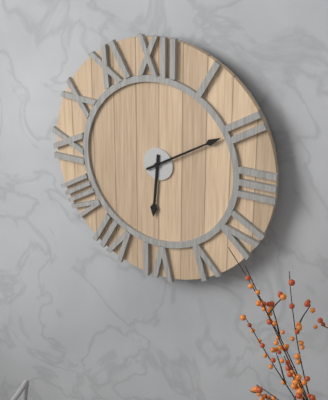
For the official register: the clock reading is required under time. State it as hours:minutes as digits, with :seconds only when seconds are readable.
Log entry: 6:10
